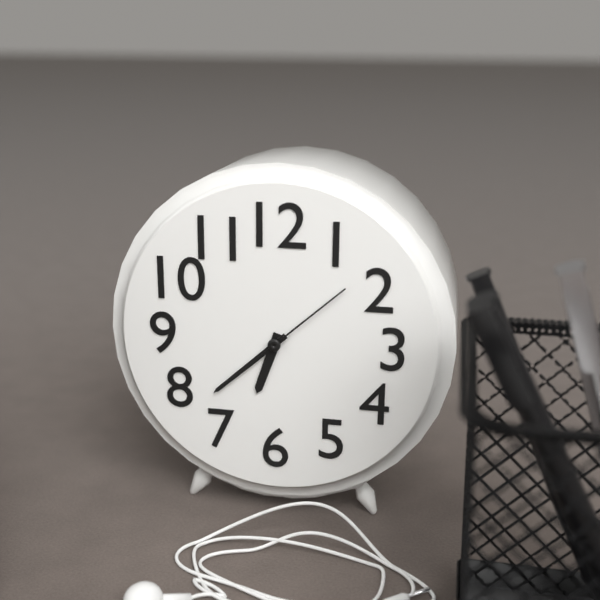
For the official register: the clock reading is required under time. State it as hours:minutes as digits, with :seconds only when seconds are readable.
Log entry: 6:38:08
